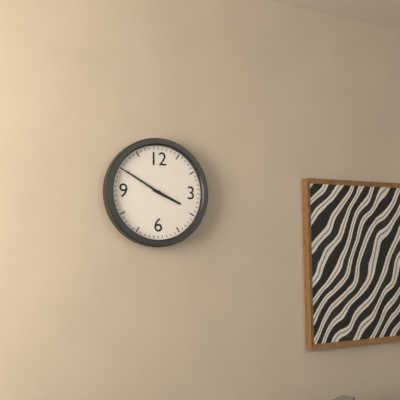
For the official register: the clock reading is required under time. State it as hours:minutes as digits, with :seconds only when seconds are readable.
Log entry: 3:50
